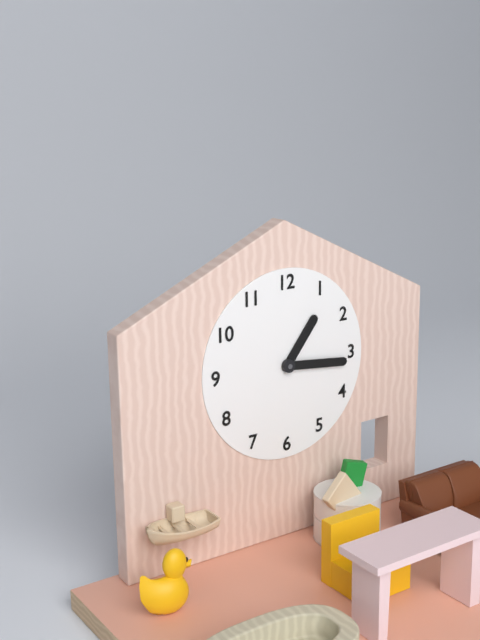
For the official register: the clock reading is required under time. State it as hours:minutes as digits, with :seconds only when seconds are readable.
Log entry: 1:16
